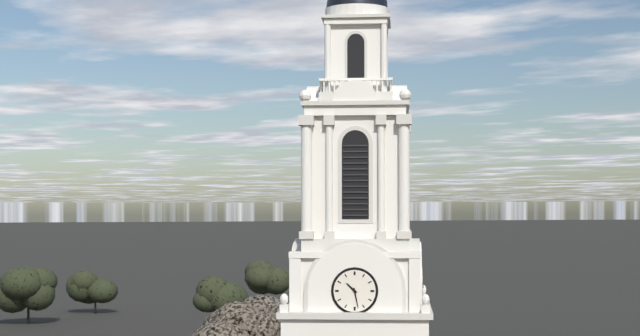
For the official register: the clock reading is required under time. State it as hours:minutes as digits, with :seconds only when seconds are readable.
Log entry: 10:28
